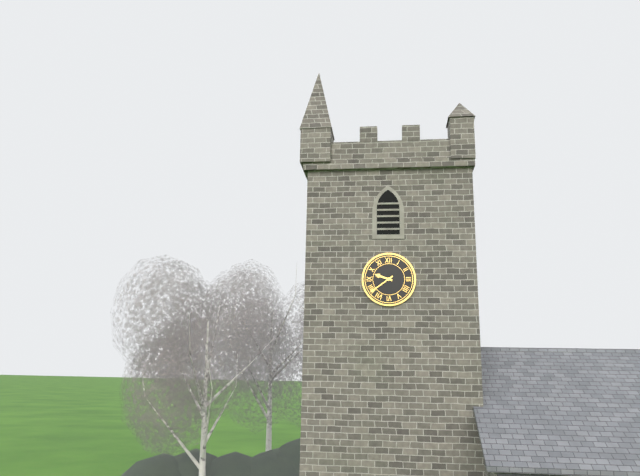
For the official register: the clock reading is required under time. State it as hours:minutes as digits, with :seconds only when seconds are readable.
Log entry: 9:39
